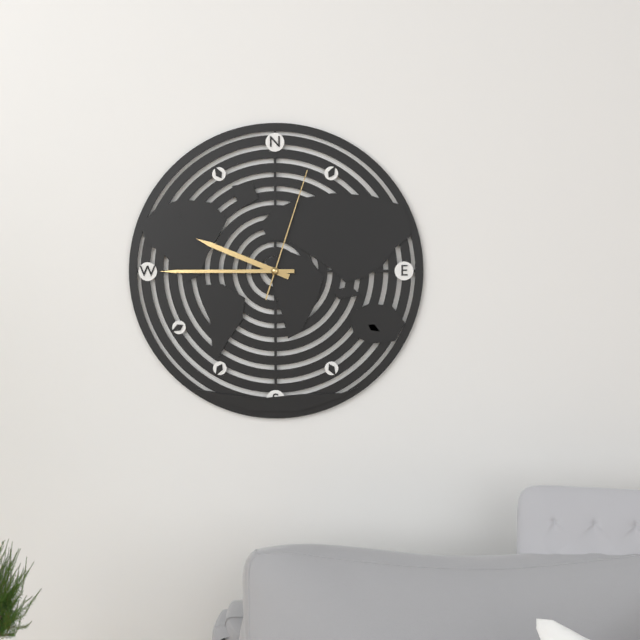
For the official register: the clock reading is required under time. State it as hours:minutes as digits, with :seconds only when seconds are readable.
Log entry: 9:45:03
